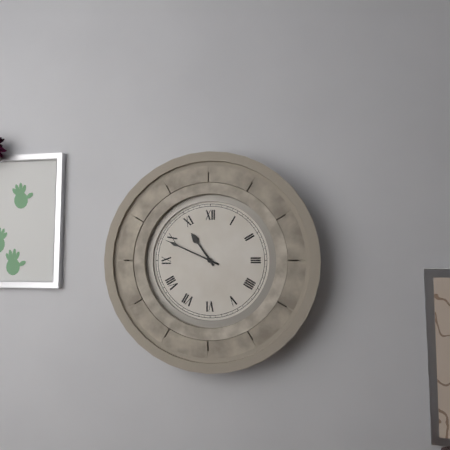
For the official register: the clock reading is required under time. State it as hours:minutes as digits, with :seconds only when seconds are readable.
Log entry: 10:49
